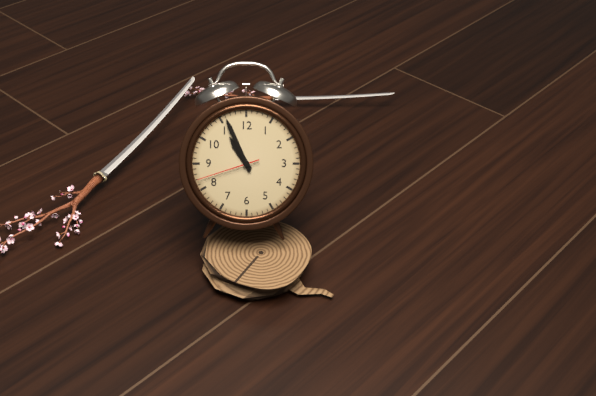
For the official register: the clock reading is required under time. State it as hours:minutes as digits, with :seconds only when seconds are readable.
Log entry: 10:56:42
